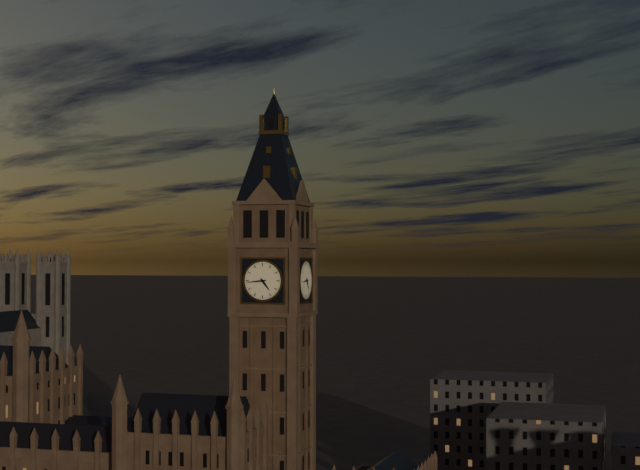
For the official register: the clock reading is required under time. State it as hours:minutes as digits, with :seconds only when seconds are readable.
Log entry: 4:44
